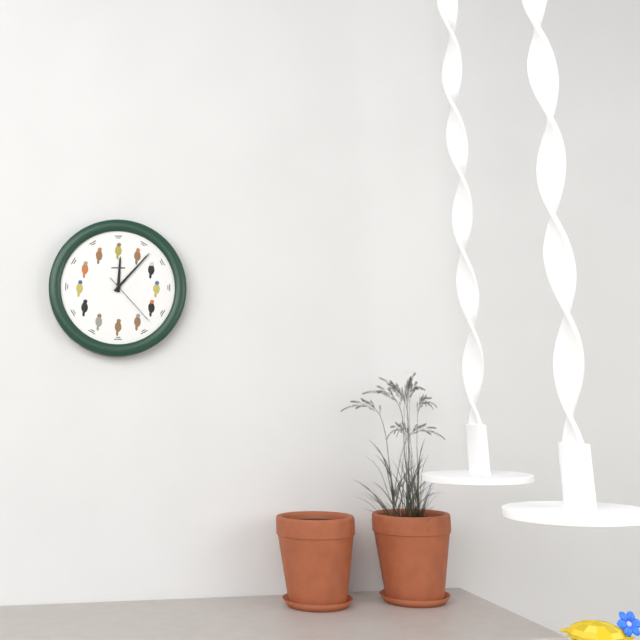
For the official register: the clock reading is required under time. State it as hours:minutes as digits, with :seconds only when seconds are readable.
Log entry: 12:07:23
